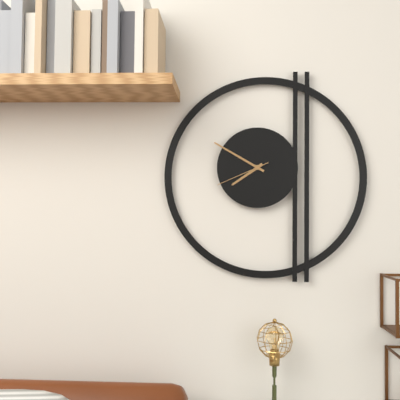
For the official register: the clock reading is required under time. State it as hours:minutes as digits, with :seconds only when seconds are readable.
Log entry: 7:50:41
